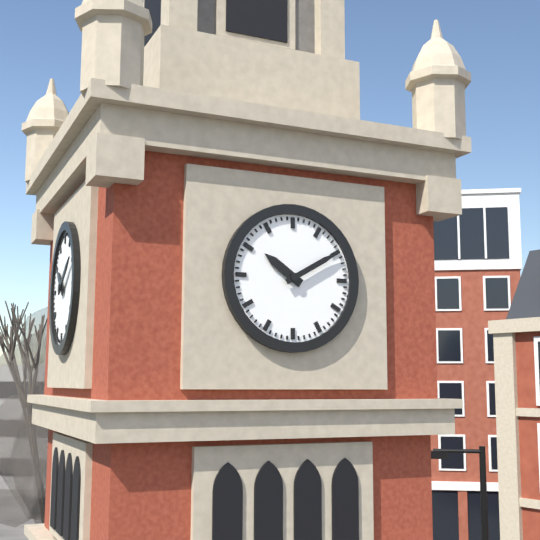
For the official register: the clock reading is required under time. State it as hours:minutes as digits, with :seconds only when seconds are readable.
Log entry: 10:10
